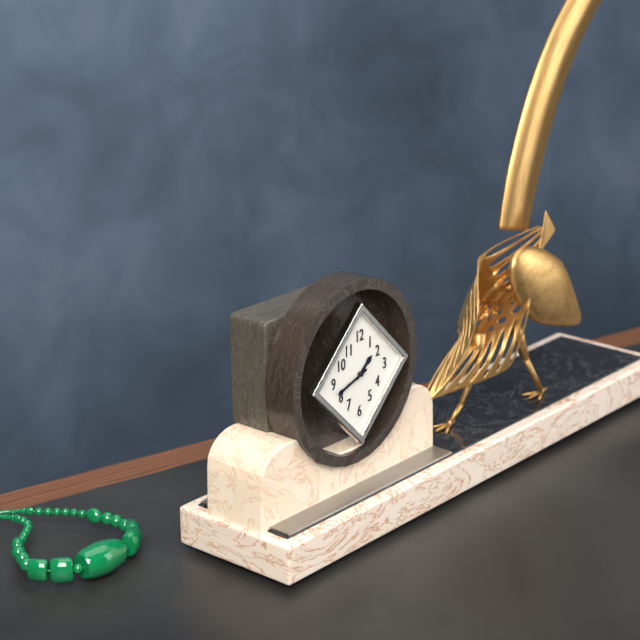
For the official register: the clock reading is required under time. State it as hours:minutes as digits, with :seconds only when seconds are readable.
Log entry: 1:42
